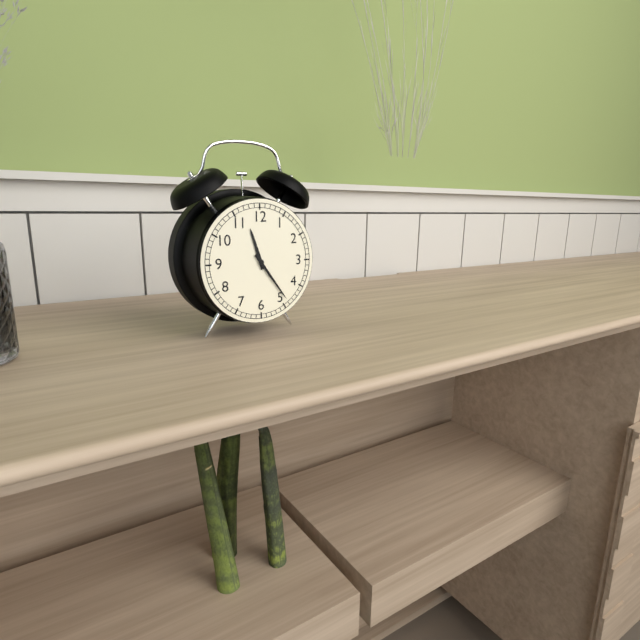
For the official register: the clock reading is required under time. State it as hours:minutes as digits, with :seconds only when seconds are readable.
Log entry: 11:24
